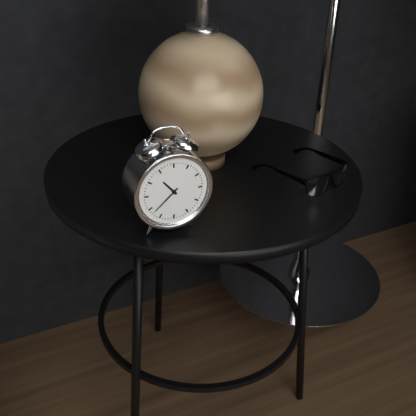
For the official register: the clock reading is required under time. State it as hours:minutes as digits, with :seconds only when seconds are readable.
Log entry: 10:38
